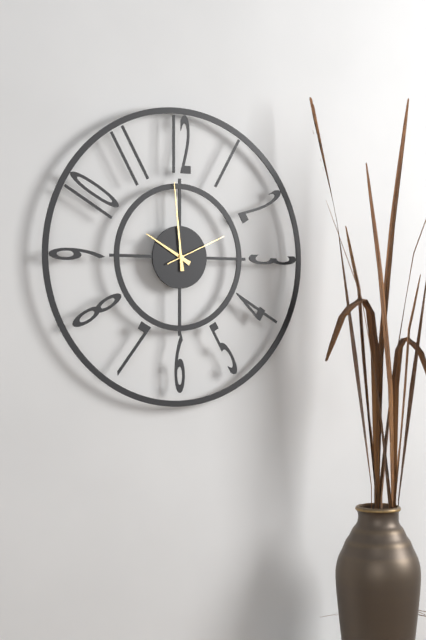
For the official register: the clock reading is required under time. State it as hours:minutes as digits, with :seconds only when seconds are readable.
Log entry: 9:59:11
